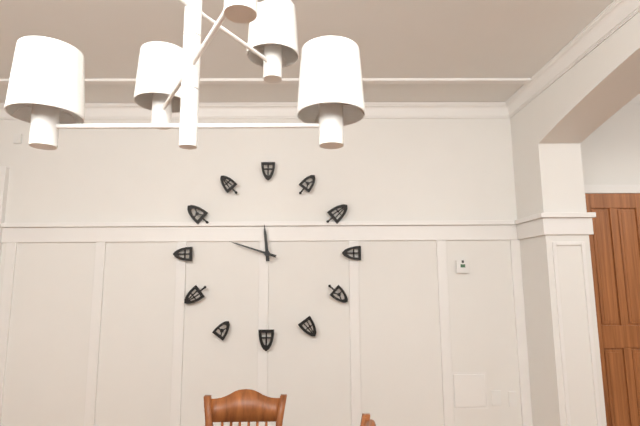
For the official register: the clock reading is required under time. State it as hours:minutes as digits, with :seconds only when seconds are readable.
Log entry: 11:48
